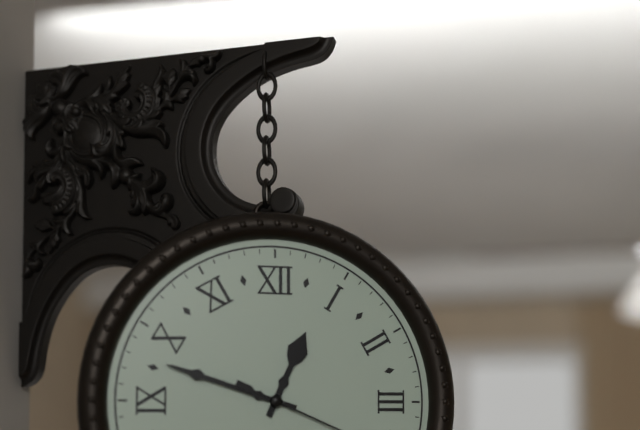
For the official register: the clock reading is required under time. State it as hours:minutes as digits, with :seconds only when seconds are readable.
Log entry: 12:48
